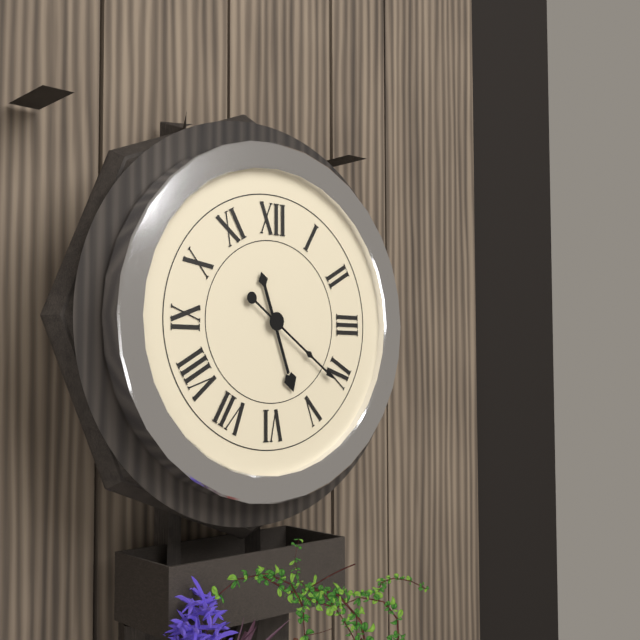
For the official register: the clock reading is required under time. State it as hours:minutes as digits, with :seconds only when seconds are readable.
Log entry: 5:21
